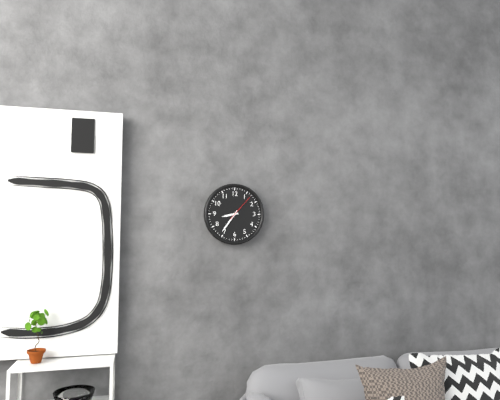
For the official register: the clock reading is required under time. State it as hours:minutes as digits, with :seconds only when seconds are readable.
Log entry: 8:36
